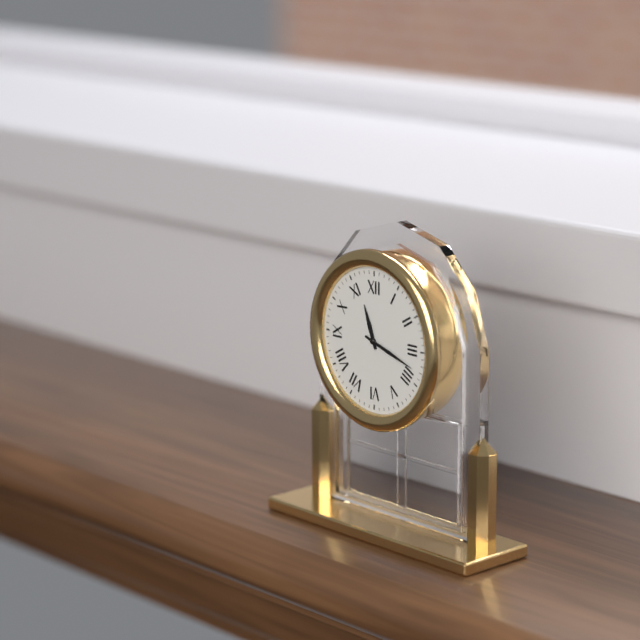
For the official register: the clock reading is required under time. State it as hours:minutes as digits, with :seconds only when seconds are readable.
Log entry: 11:18
